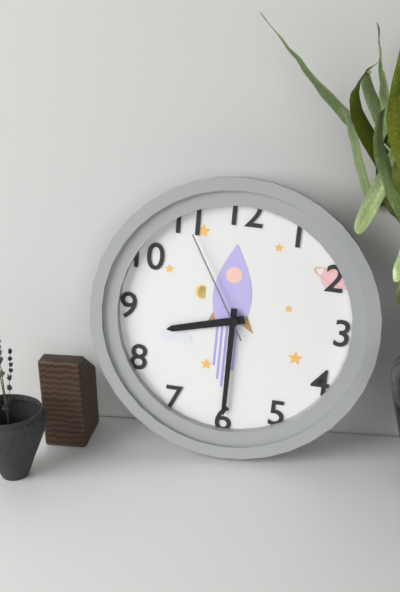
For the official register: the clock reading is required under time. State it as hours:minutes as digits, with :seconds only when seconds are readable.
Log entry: 8:30:55
